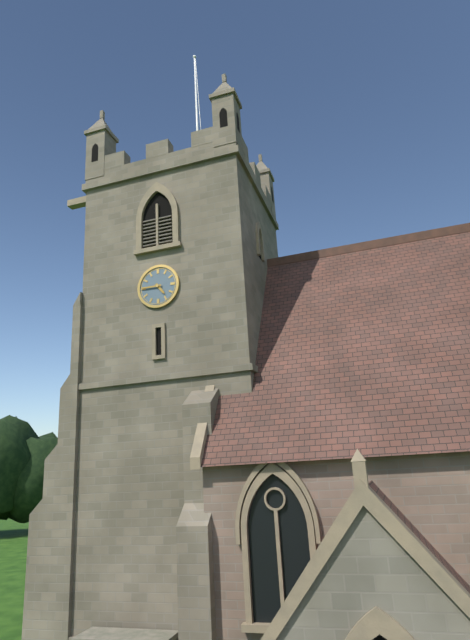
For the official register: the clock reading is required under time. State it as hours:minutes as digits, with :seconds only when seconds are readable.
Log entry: 4:45
